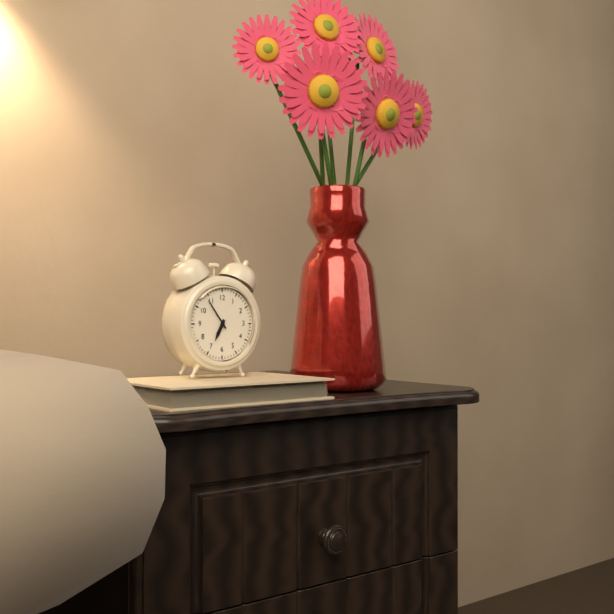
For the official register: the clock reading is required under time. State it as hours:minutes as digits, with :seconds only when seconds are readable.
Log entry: 6:54
